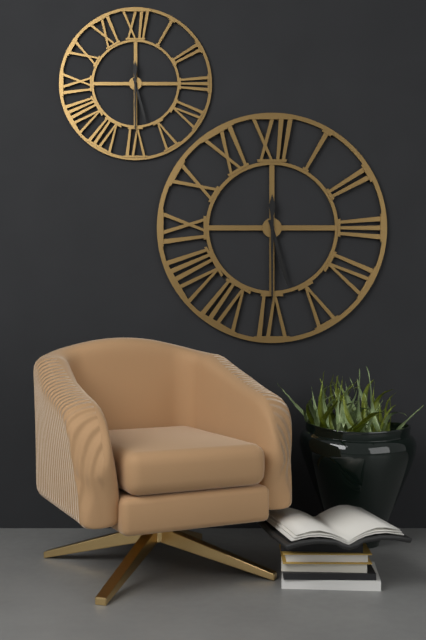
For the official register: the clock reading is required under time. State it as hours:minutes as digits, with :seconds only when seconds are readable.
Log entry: 5:30
